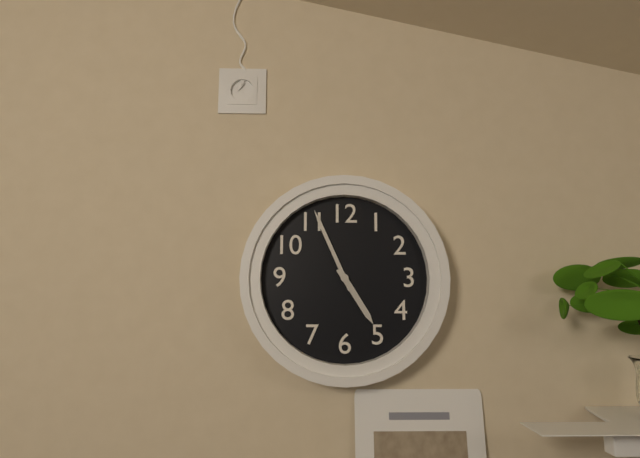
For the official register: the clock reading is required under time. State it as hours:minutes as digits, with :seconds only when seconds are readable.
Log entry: 4:56
